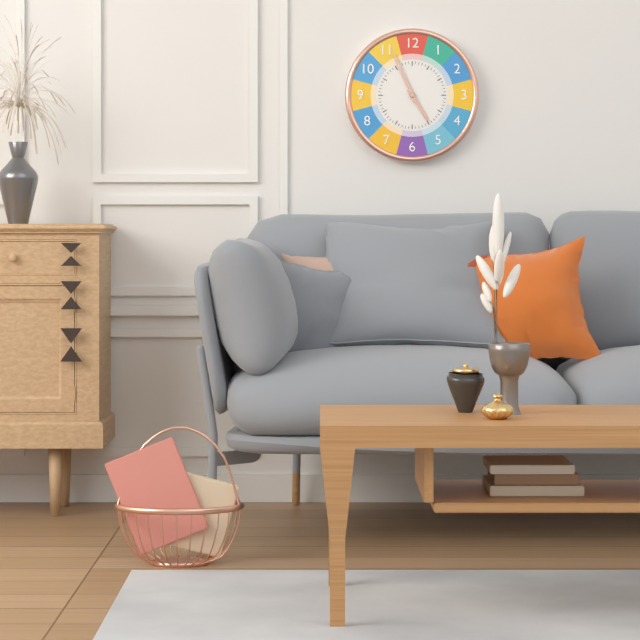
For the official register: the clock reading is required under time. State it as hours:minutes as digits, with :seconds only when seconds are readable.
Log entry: 4:56
